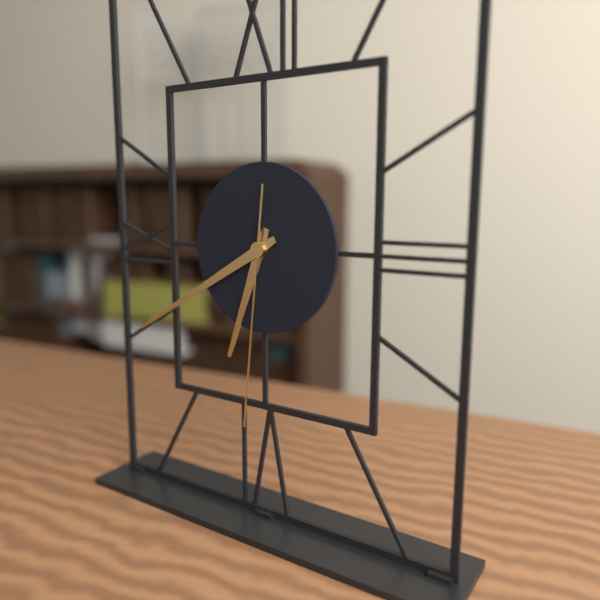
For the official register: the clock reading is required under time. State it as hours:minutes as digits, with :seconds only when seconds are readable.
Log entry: 6:40:31
